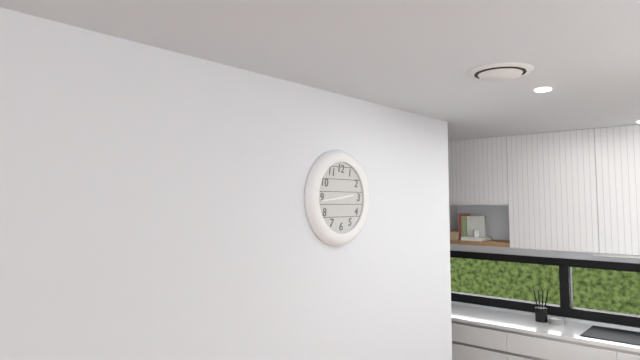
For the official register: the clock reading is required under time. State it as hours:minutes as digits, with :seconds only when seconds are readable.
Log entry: 2:44
